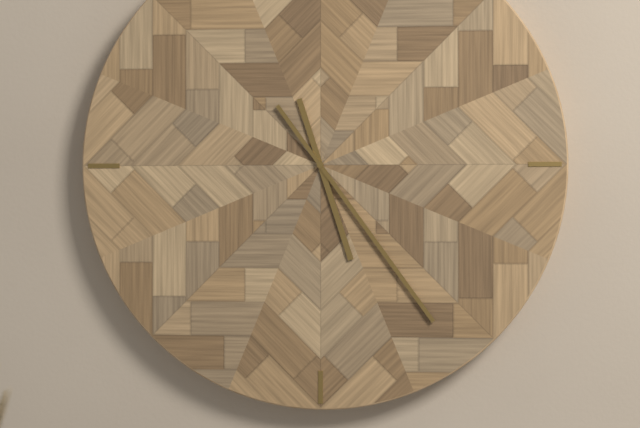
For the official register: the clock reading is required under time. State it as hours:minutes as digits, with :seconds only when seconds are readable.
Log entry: 5:24
